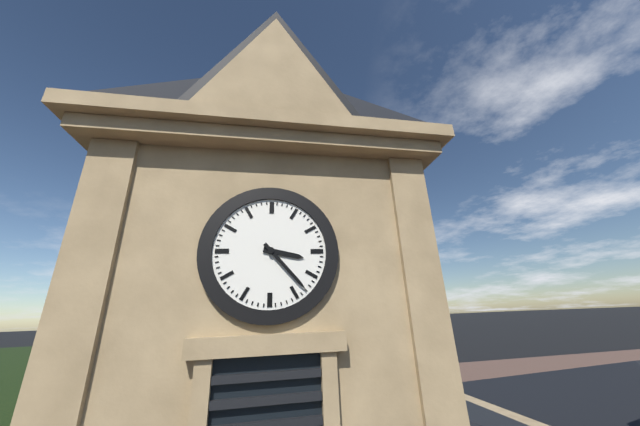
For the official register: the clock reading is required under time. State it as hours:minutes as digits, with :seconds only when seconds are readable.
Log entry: 3:23
